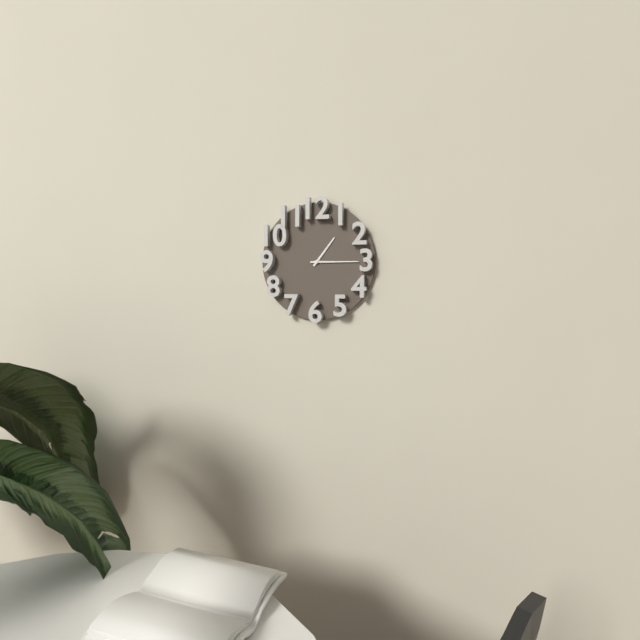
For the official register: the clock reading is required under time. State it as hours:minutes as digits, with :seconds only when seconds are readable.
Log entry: 1:15
